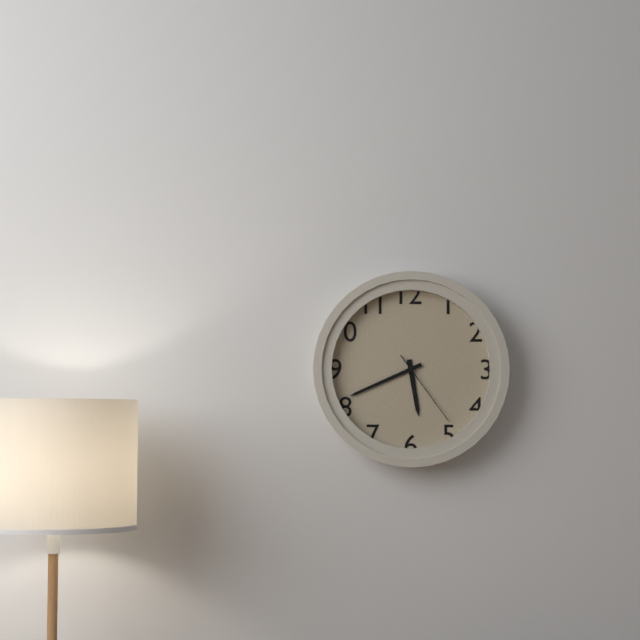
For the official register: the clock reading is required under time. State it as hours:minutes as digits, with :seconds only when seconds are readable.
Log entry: 5:41:24
